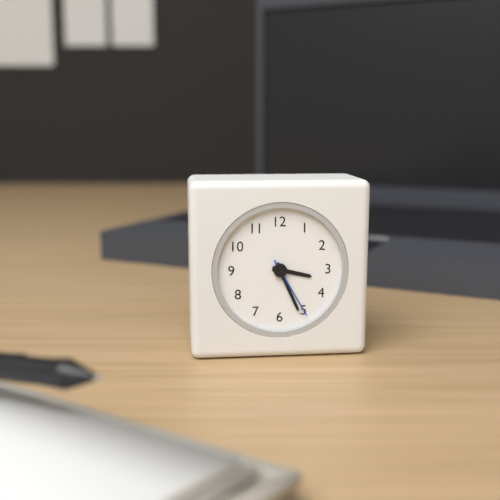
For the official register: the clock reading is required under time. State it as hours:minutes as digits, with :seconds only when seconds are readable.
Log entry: 3:26:25
